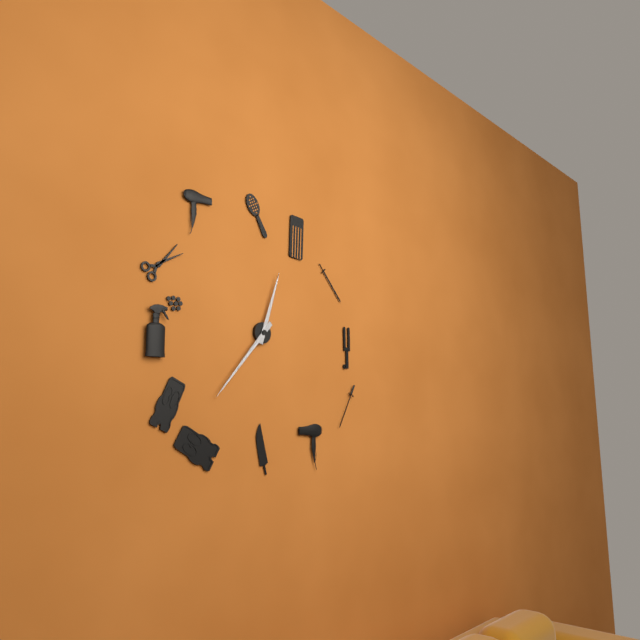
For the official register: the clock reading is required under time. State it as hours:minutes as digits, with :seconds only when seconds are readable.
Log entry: 12:37
